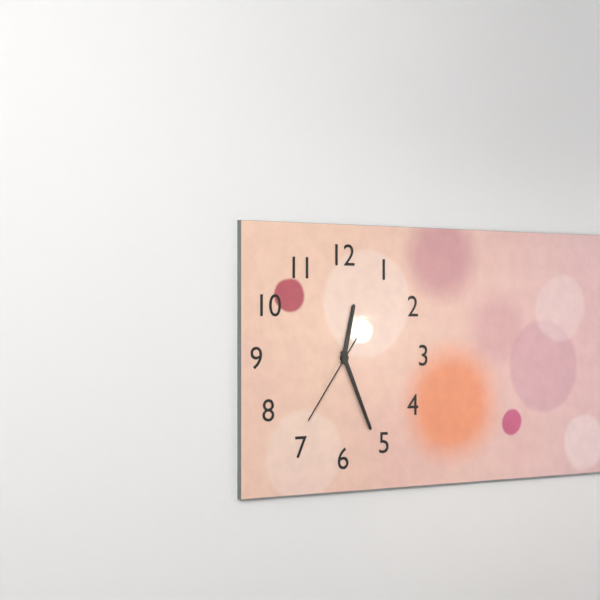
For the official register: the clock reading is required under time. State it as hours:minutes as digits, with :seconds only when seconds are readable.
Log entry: 12:26:36
